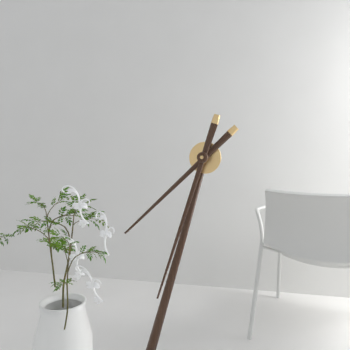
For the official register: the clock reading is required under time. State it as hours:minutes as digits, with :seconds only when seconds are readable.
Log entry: 7:33
